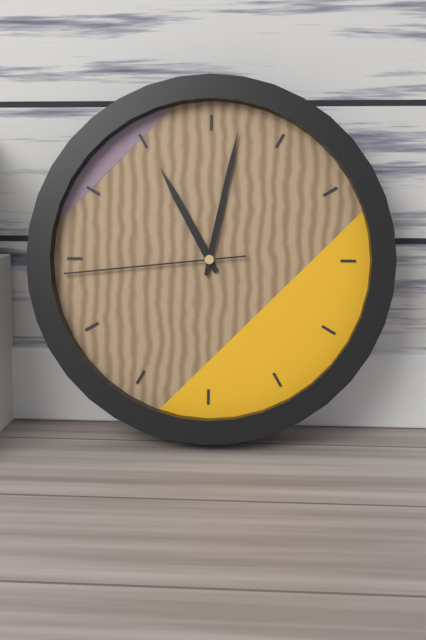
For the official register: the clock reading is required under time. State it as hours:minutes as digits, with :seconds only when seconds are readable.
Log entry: 11:02:44
